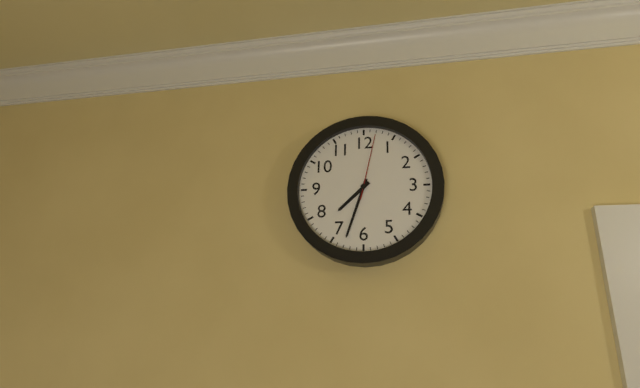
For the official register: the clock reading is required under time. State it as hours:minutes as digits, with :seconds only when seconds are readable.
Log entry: 7:33:02
